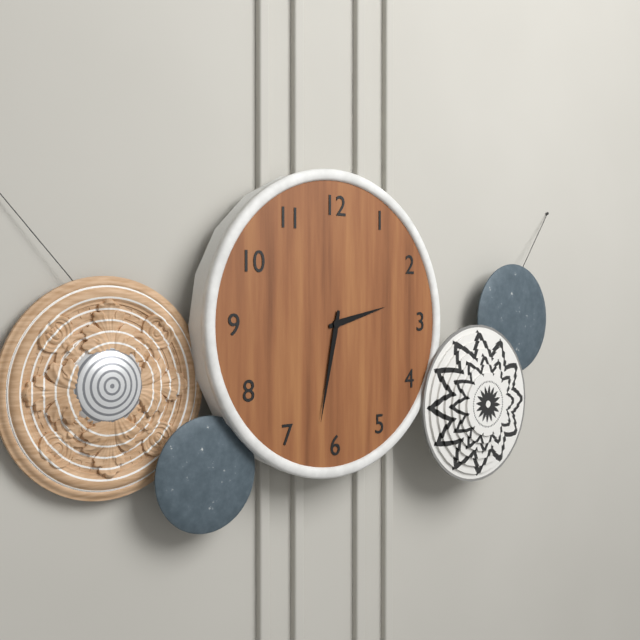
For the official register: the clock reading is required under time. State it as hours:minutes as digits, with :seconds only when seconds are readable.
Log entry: 2:32
